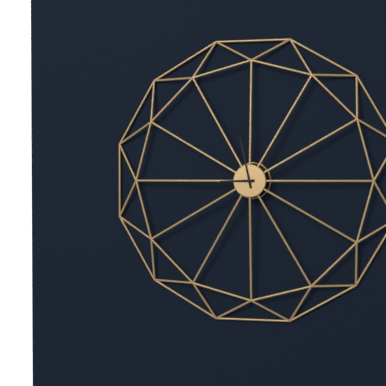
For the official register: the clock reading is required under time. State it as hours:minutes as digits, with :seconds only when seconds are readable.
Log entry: 8:58
